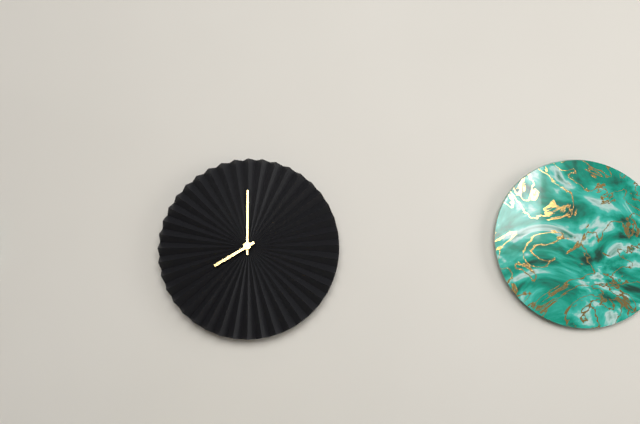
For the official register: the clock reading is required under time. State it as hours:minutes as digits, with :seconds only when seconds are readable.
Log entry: 8:00
